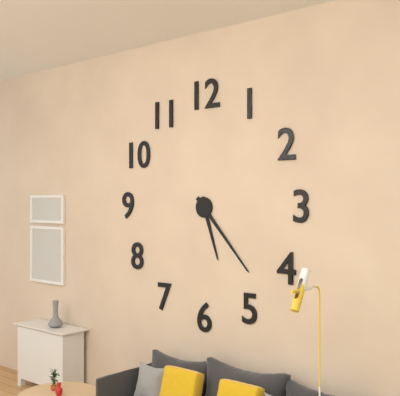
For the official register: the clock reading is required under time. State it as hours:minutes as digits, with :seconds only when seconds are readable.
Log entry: 5:23
